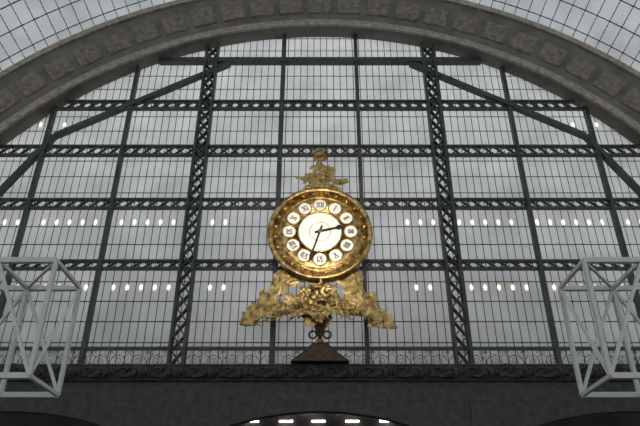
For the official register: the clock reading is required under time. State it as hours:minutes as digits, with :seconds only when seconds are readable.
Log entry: 2:33
